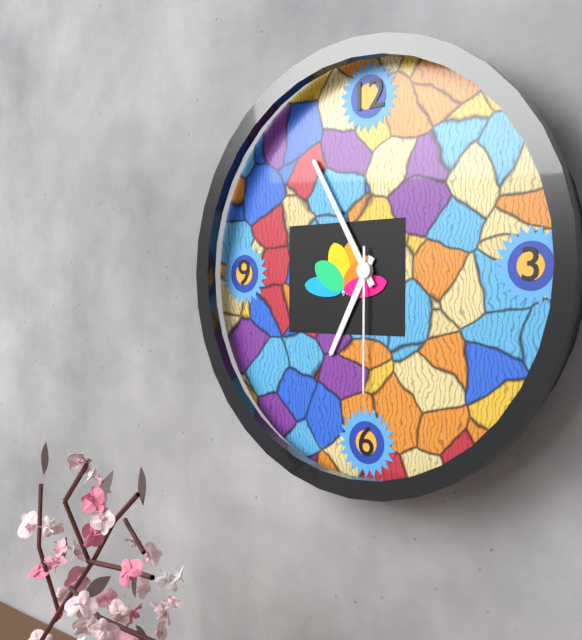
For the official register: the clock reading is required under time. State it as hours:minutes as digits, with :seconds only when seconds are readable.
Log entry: 6:55:30
